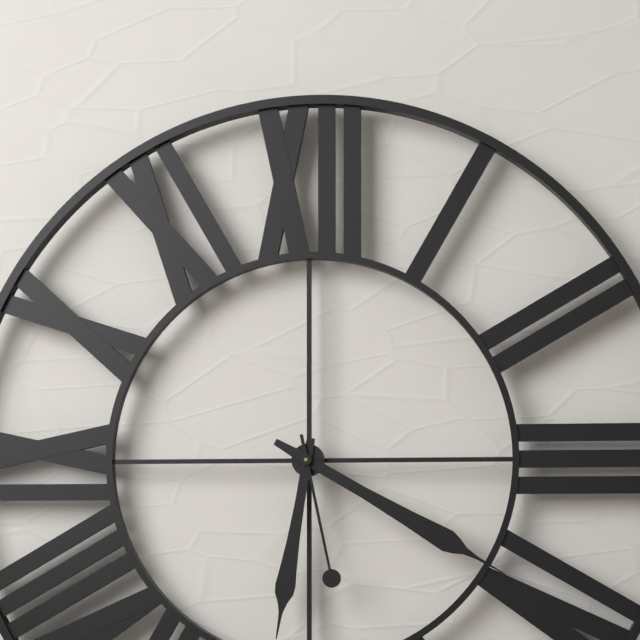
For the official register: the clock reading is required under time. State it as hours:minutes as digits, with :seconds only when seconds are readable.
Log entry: 6:20:28
